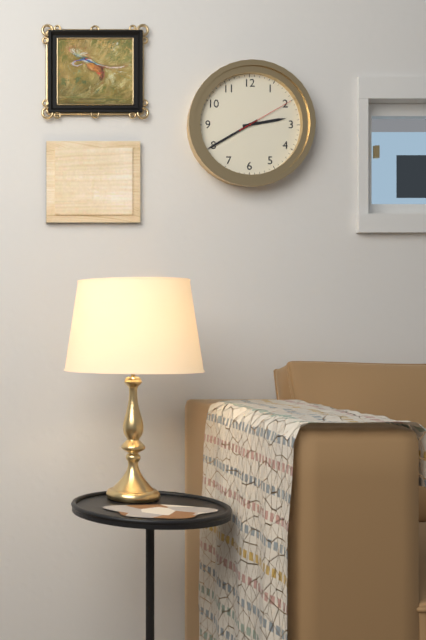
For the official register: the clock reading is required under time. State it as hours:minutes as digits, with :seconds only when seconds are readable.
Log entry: 2:40:10
